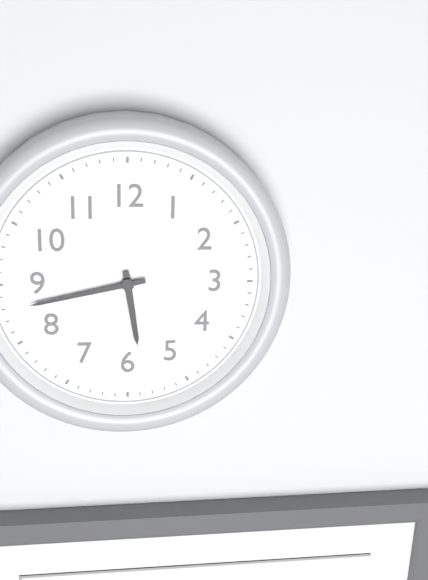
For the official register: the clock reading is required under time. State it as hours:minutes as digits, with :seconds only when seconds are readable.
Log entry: 5:43
